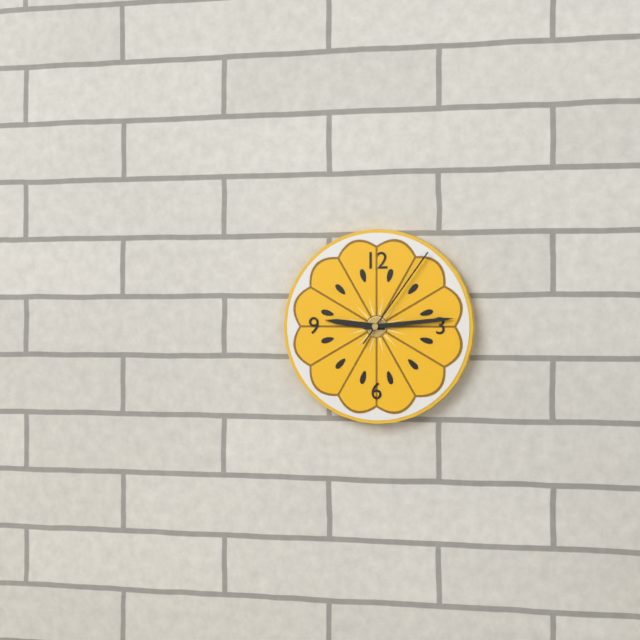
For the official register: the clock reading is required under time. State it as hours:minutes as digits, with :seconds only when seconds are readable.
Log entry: 9:14:06
